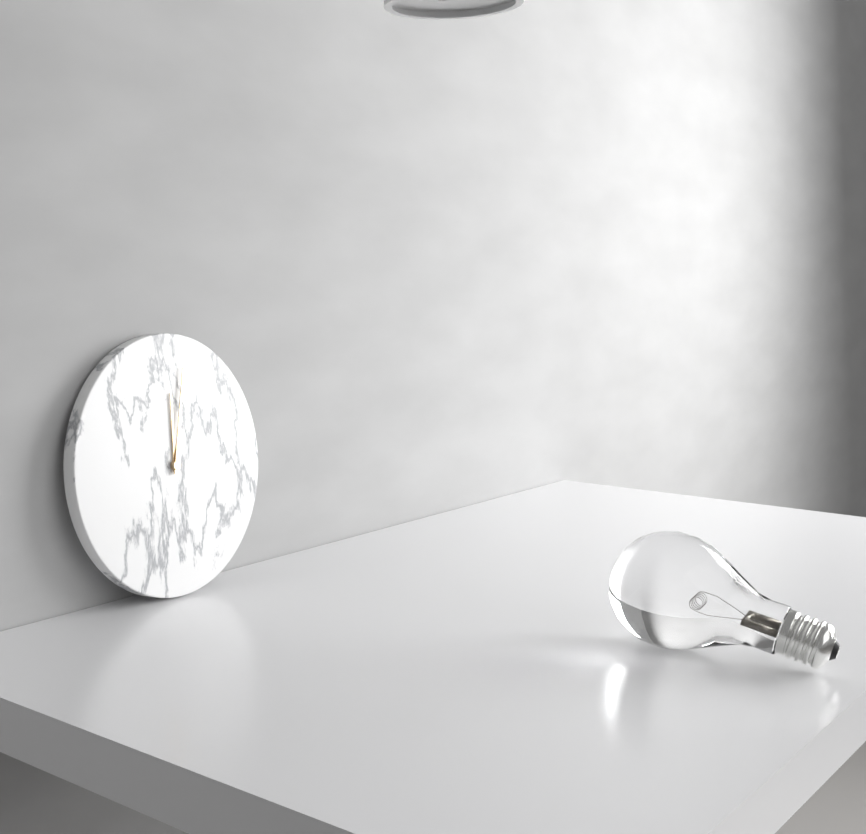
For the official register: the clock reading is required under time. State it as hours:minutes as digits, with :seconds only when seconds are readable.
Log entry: 12:02
